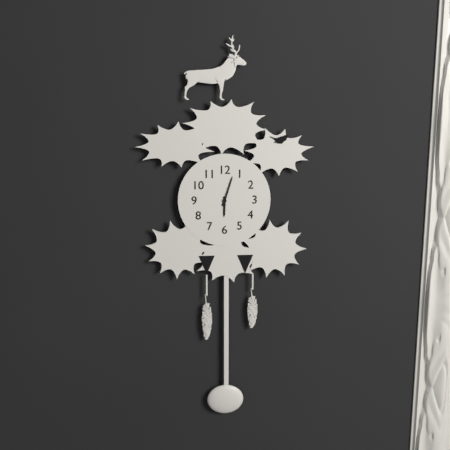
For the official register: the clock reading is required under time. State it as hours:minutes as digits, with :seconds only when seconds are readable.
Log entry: 6:03
